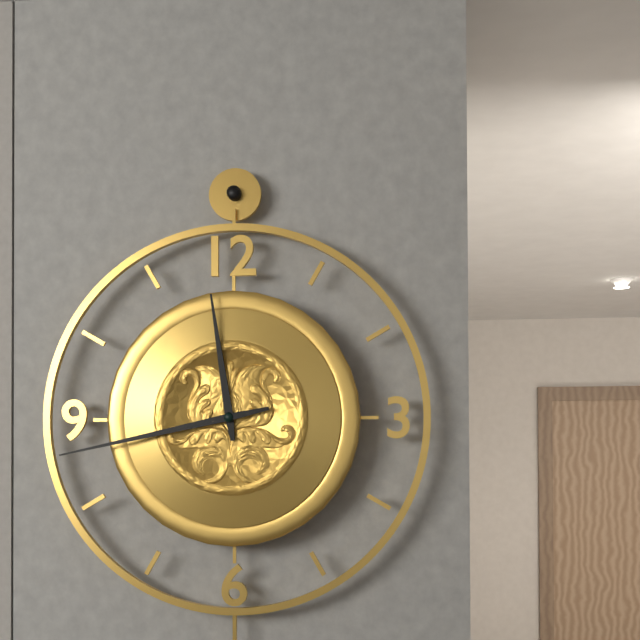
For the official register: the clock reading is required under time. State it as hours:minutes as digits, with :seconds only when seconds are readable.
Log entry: 11:43
